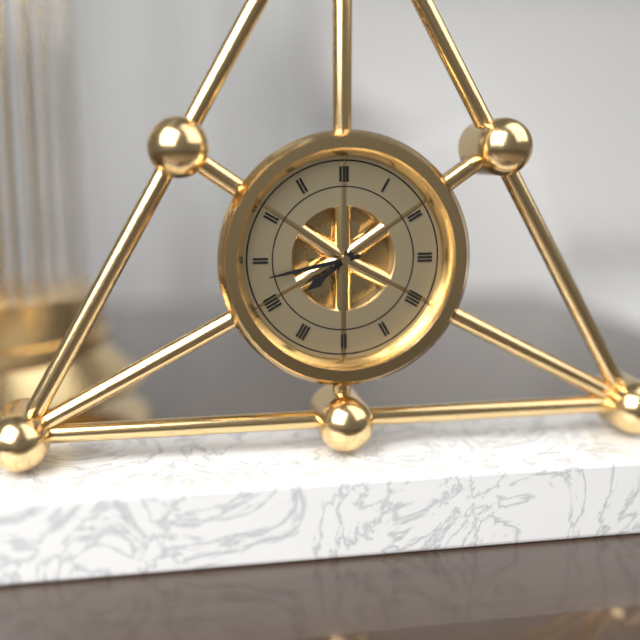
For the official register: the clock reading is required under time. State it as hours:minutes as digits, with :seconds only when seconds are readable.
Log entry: 7:43
